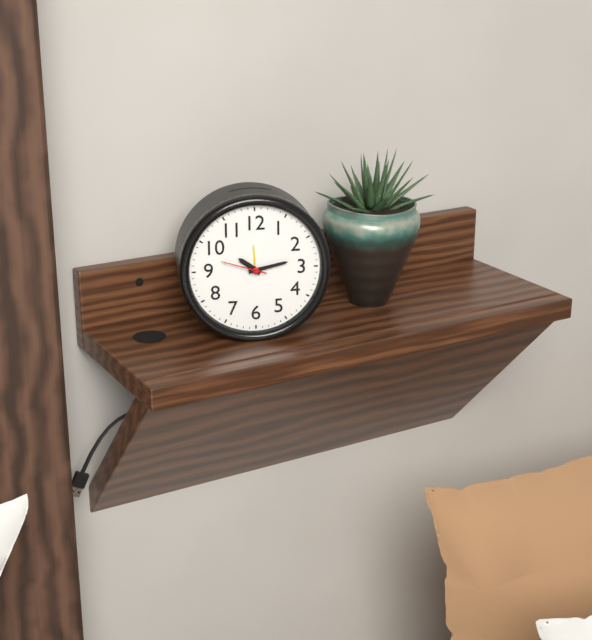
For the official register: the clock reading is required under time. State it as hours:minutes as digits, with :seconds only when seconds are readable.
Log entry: 10:13
